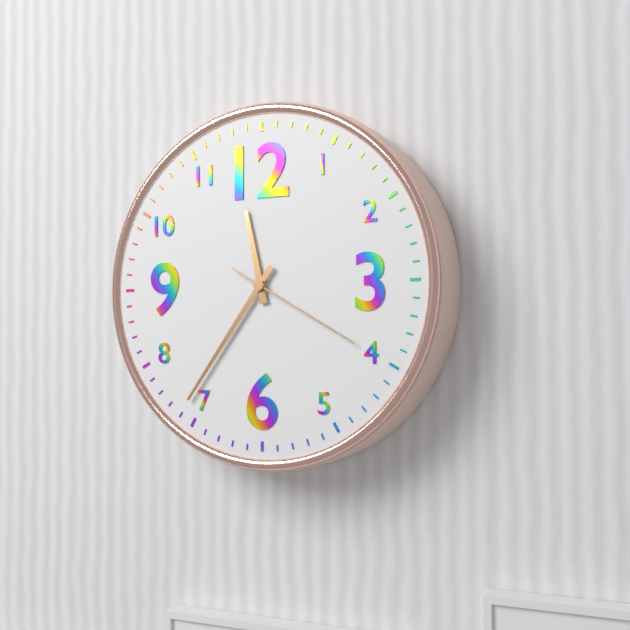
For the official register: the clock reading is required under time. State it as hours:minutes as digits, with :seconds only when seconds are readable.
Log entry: 11:36:20
